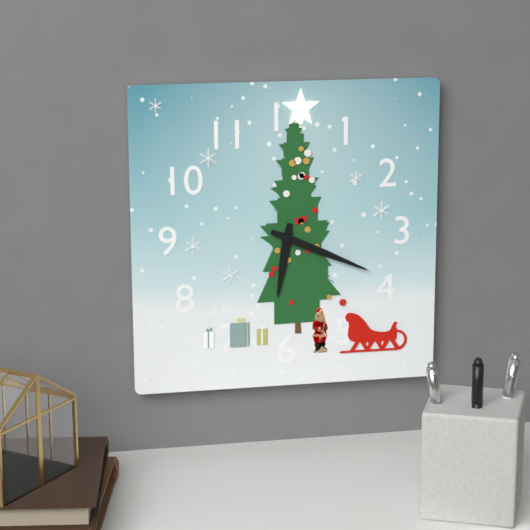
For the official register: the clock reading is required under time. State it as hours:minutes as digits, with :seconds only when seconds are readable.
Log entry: 6:19
